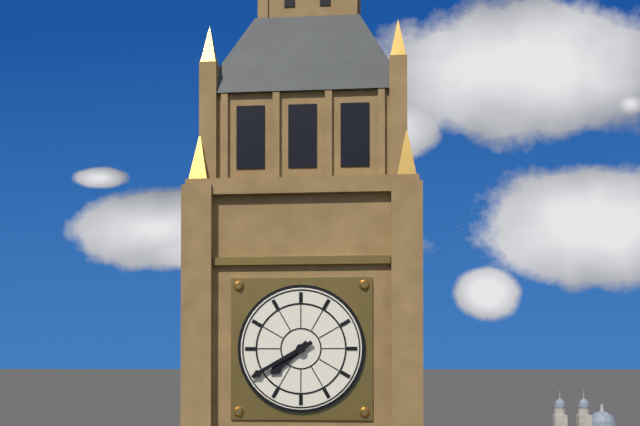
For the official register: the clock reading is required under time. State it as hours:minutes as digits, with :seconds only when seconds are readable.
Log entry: 7:40
